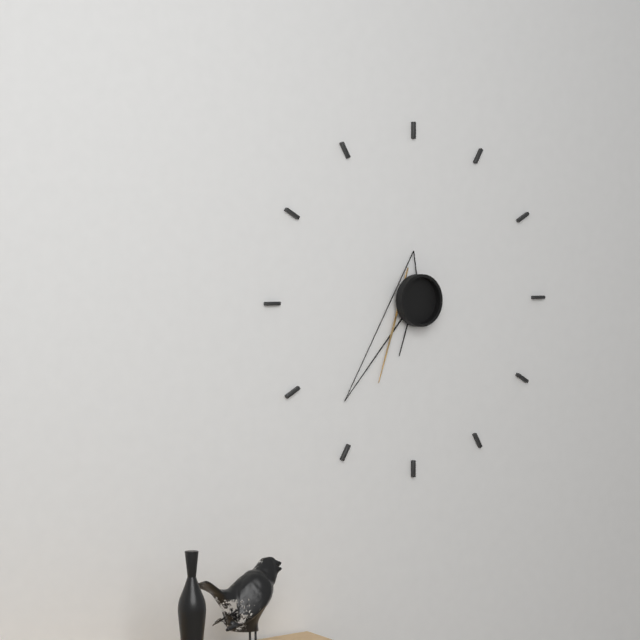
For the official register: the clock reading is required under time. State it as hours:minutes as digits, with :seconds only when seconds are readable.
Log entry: 6:37:35
